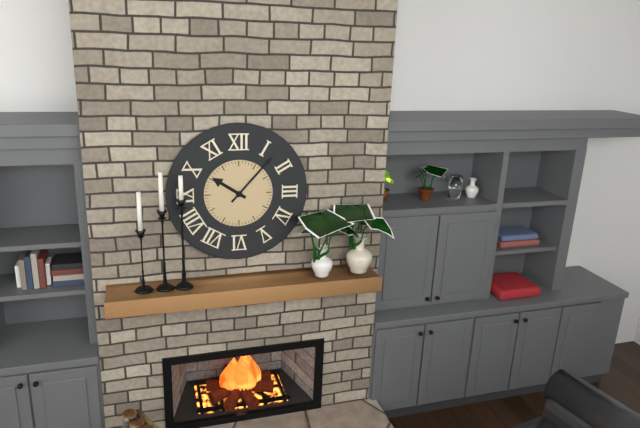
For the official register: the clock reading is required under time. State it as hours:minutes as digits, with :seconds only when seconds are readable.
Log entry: 10:07
